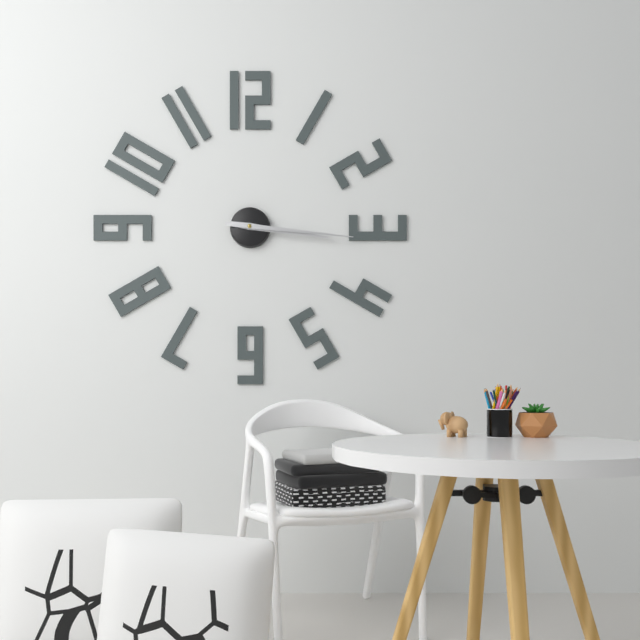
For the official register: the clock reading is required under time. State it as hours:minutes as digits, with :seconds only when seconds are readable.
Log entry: 3:16
